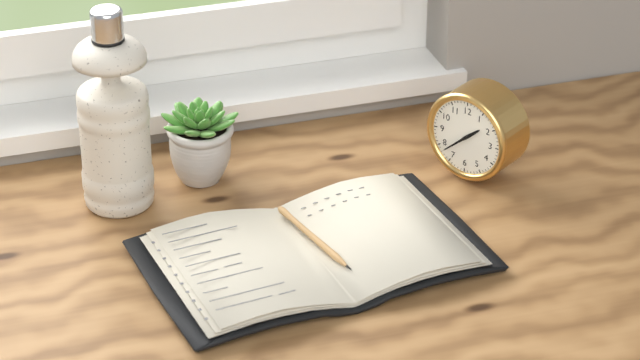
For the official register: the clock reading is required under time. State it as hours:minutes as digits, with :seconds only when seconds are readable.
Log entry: 1:38
